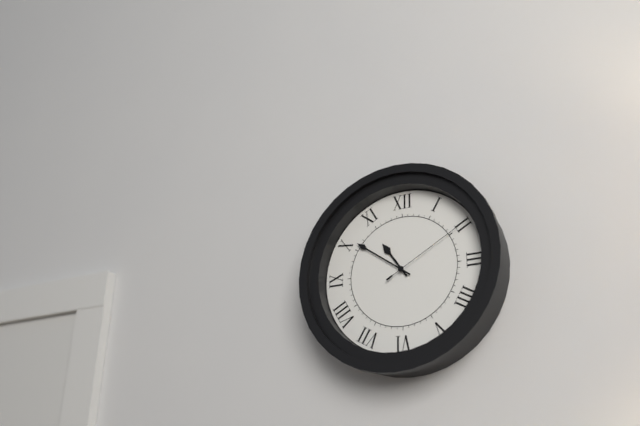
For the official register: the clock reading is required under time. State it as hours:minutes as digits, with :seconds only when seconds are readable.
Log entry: 10:51:10
